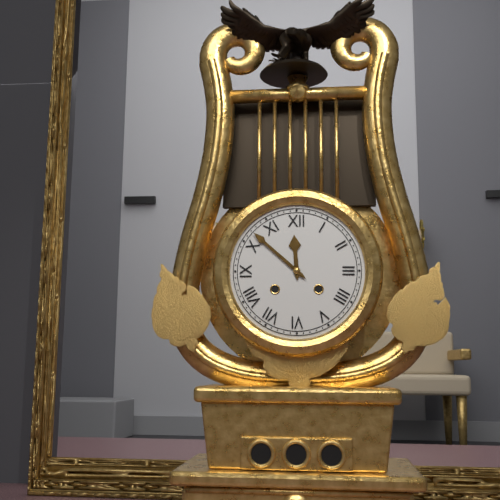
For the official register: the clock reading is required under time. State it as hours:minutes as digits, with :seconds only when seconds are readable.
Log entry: 11:52
